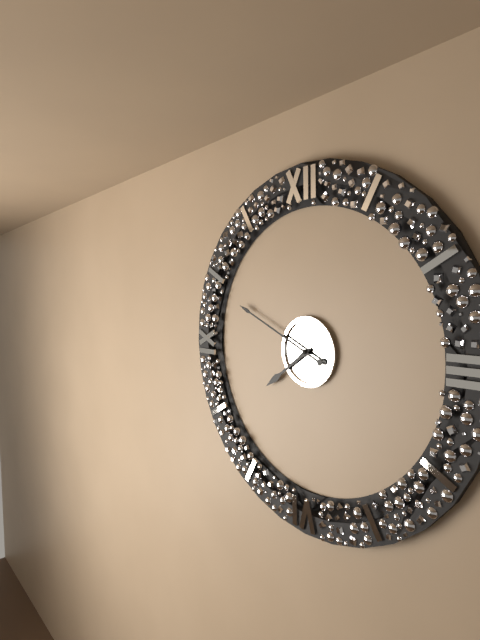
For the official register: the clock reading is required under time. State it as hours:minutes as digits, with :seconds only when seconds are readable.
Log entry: 7:49
